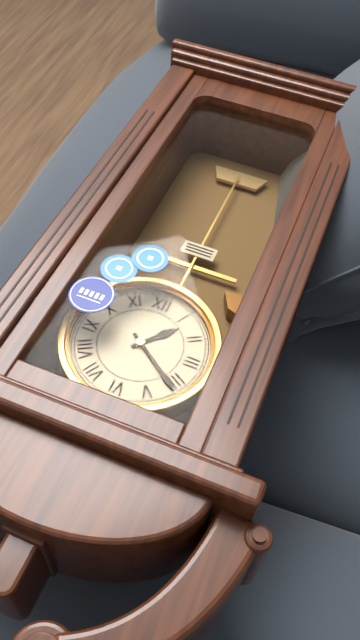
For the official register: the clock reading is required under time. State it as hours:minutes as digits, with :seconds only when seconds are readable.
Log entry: 1:21
